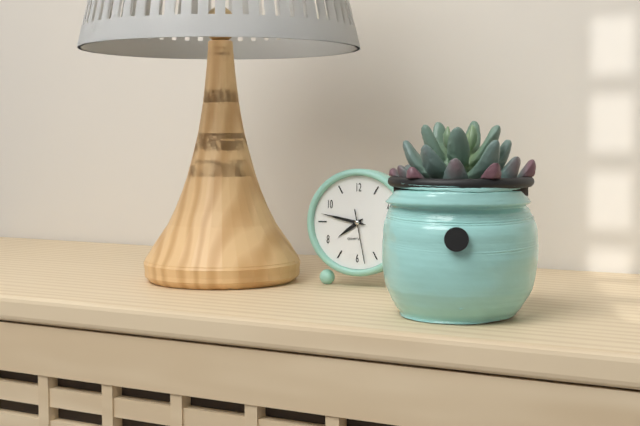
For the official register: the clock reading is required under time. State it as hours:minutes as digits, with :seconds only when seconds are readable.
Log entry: 7:47:28
